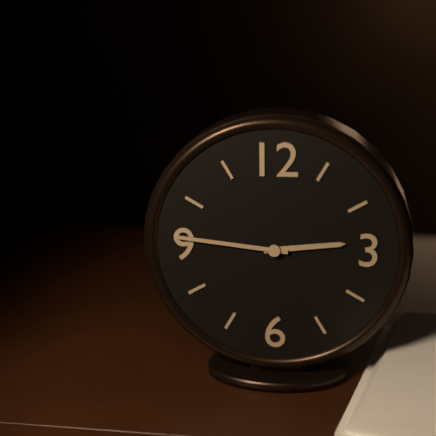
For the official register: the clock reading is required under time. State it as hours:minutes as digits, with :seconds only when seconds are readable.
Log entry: 2:46
